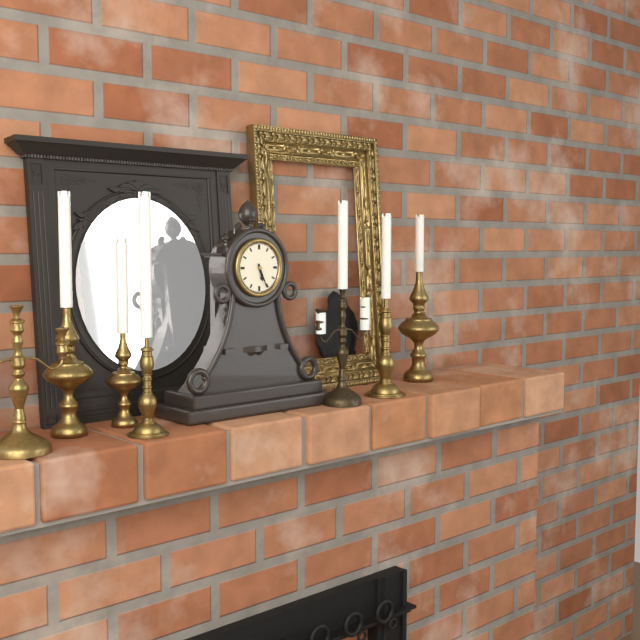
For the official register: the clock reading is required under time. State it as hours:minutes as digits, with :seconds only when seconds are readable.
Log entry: 5:26
